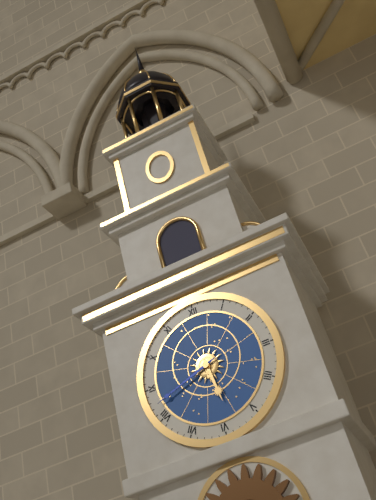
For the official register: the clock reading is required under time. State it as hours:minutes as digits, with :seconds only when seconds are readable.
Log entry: 5:42
